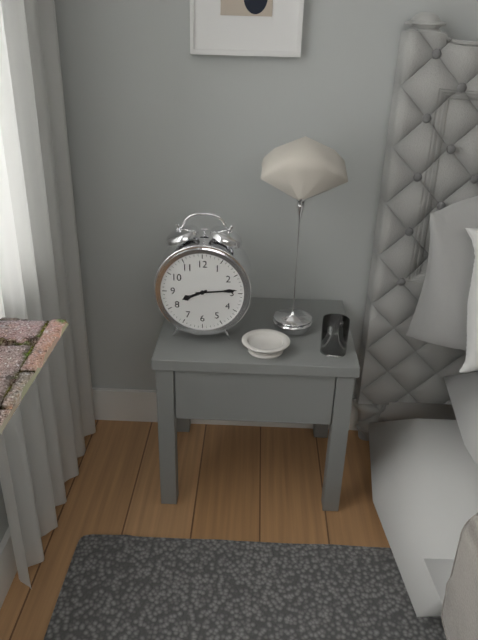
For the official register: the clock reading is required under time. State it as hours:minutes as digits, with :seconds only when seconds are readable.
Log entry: 8:14
